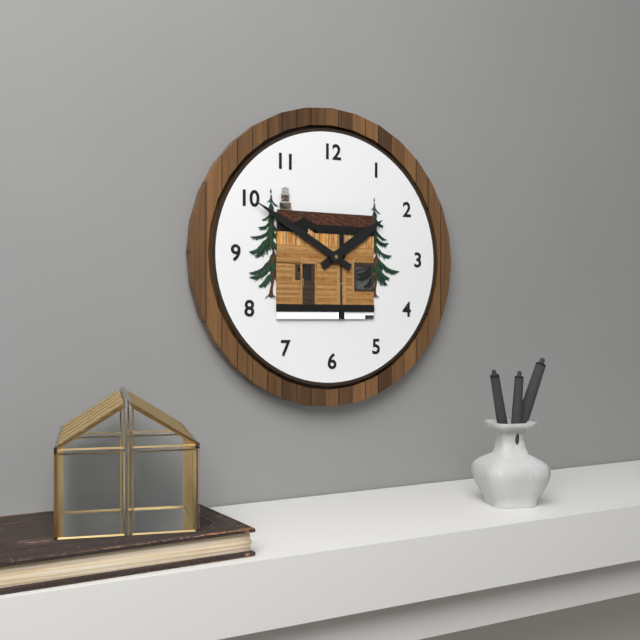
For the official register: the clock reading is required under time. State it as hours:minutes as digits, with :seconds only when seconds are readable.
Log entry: 1:50
